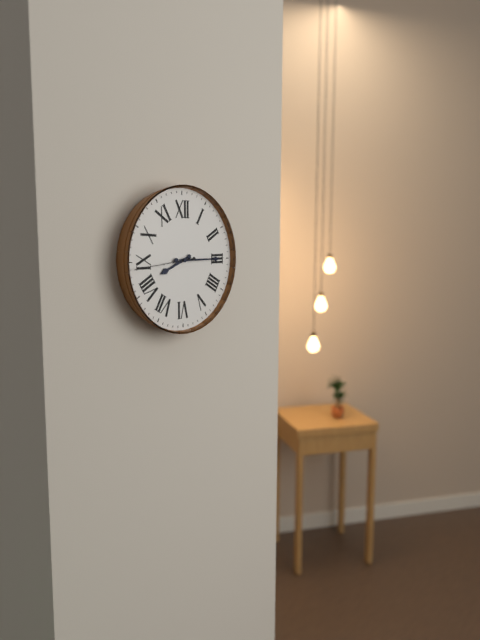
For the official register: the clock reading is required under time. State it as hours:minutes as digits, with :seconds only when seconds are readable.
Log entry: 8:15:44
